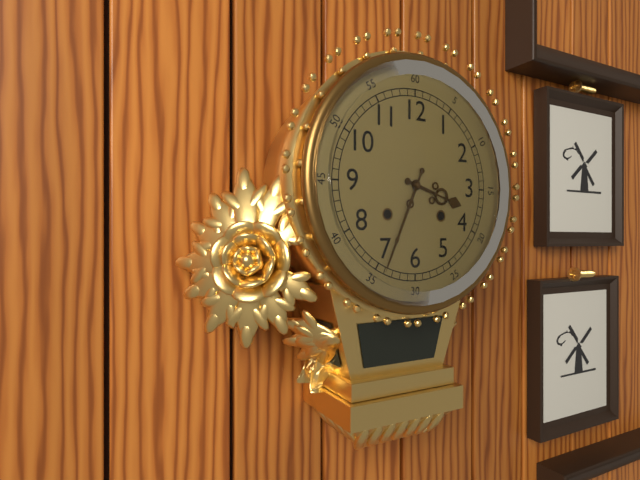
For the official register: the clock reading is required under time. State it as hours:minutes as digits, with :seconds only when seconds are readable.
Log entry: 3:34
